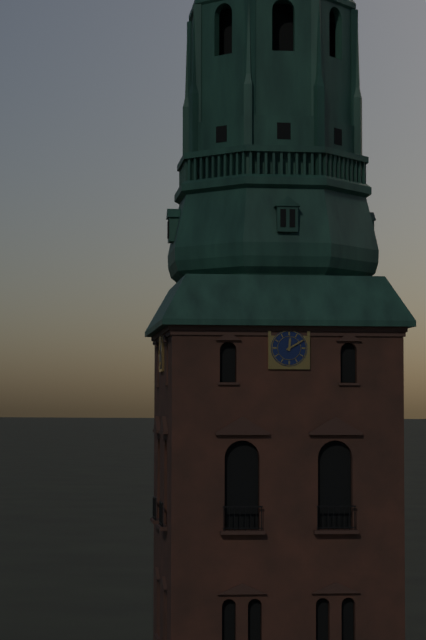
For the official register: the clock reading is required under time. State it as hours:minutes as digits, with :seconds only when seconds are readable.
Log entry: 12:10
